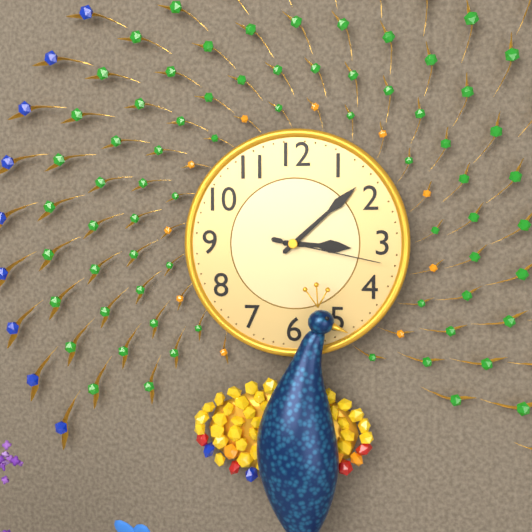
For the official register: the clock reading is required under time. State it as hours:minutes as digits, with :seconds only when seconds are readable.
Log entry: 3:08:17
